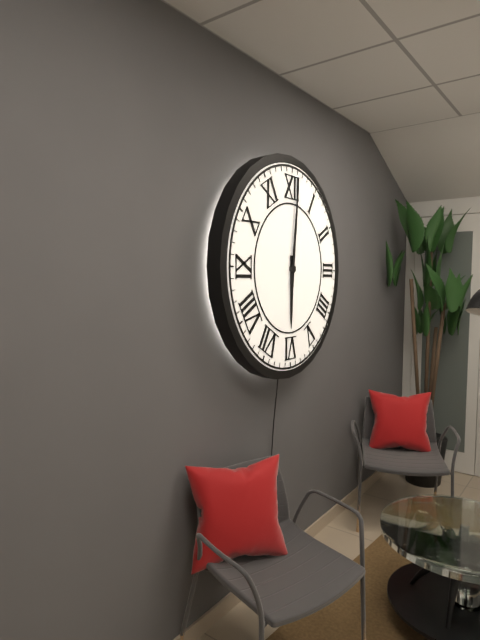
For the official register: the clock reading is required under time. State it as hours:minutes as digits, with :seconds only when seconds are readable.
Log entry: 6:01
